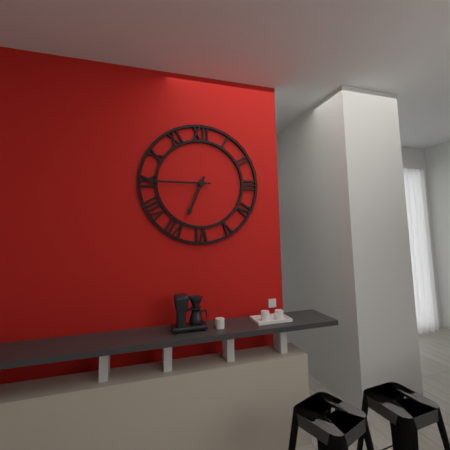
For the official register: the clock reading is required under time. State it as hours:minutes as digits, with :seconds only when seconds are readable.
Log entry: 6:45
